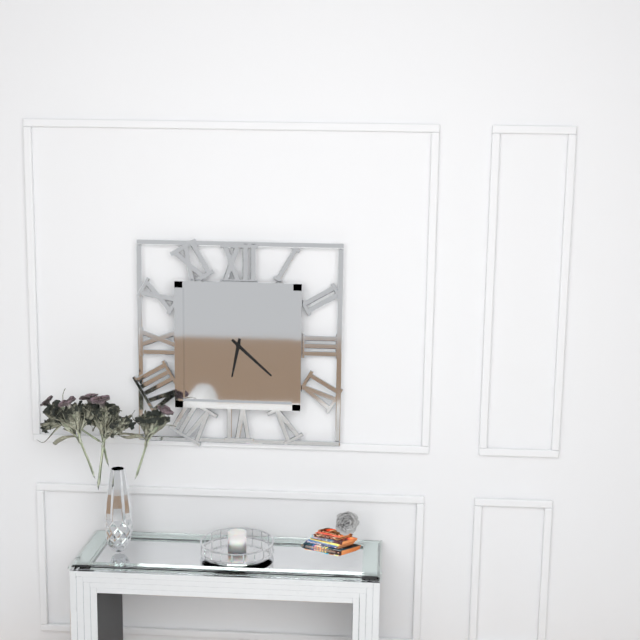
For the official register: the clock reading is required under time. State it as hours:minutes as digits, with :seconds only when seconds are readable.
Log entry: 6:22
